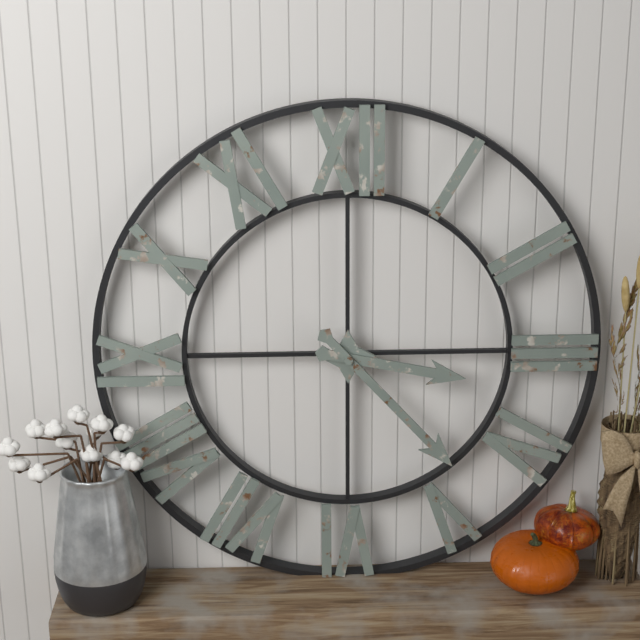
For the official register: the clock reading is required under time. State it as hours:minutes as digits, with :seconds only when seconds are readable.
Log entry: 3:23
